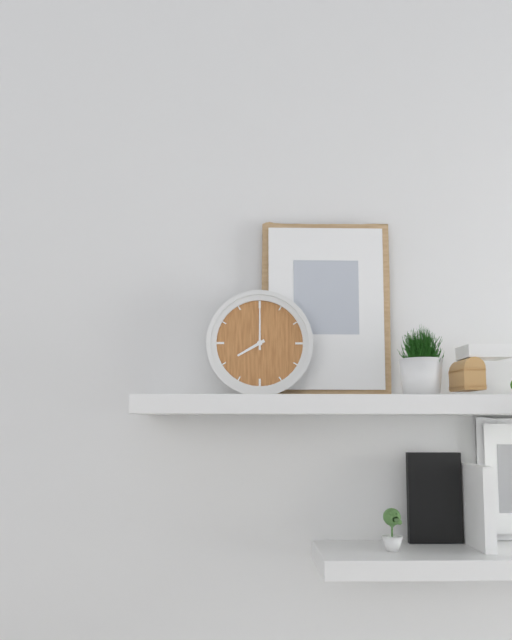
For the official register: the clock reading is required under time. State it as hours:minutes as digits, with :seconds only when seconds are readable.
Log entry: 8:00
